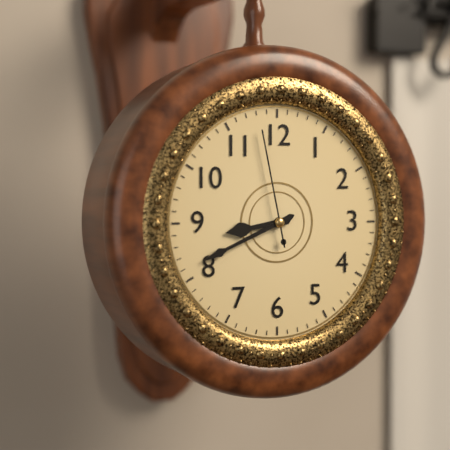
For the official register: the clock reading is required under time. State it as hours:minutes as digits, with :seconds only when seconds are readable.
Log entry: 8:41:58
